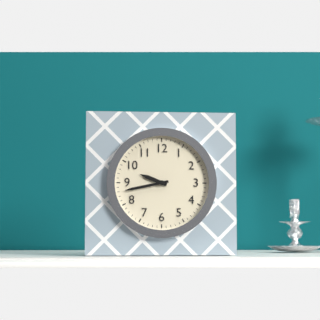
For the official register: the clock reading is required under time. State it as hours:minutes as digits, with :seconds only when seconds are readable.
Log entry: 9:43
